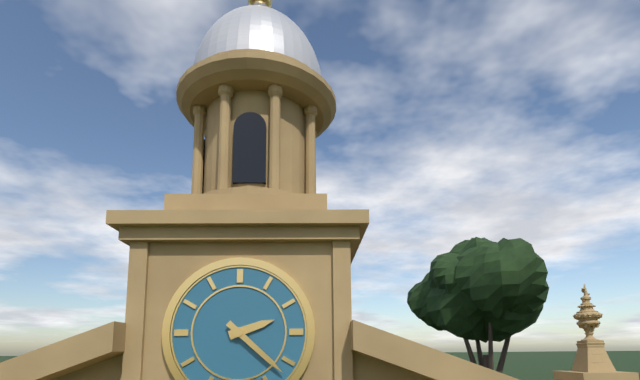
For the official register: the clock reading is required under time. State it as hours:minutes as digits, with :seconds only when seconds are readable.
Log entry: 2:22
